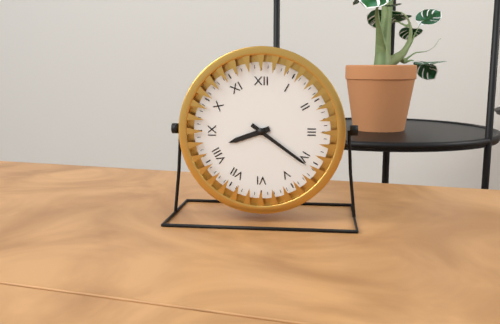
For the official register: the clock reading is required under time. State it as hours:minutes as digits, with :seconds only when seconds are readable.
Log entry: 8:21
